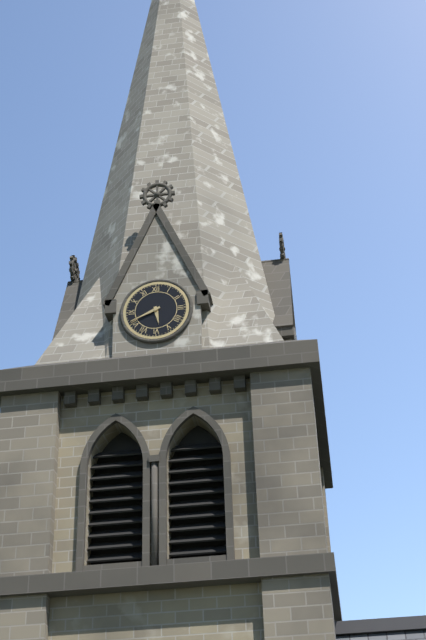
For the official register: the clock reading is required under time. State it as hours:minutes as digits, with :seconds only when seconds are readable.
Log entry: 5:41
